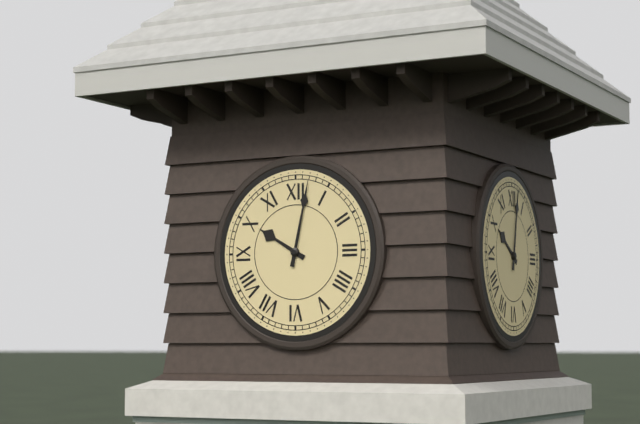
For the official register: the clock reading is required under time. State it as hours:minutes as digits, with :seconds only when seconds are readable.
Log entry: 10:02
